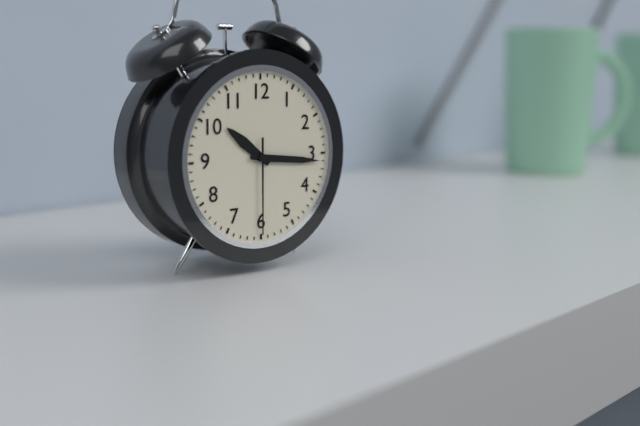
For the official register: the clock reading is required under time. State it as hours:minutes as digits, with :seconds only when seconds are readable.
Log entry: 10:16:30
